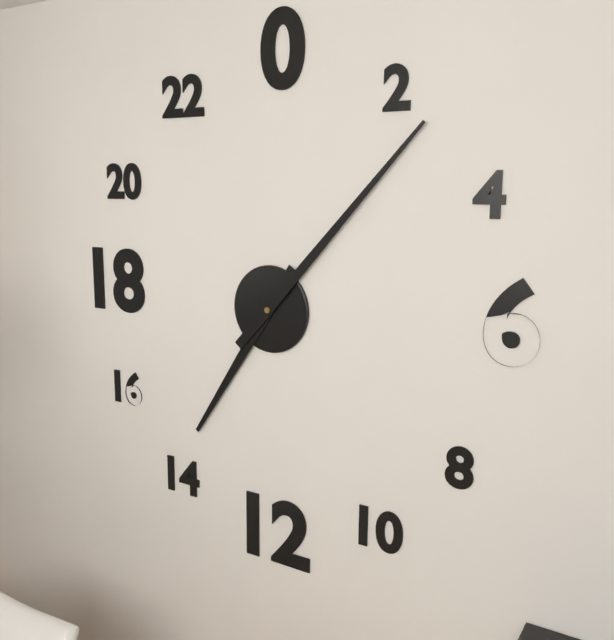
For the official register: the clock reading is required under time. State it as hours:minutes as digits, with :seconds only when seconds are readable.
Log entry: 7:07
